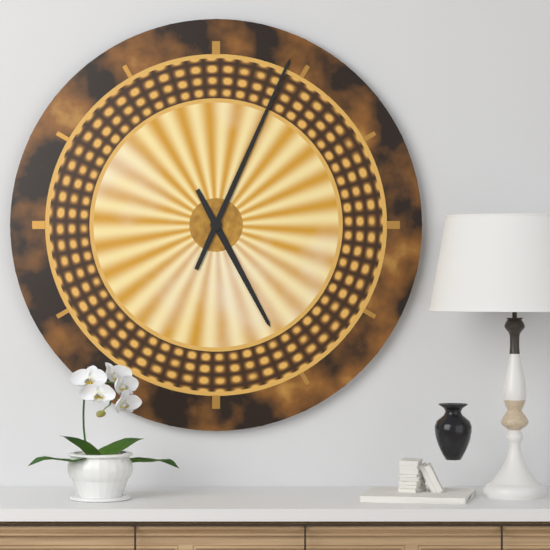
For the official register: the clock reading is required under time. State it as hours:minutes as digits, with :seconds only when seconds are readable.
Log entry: 5:04
